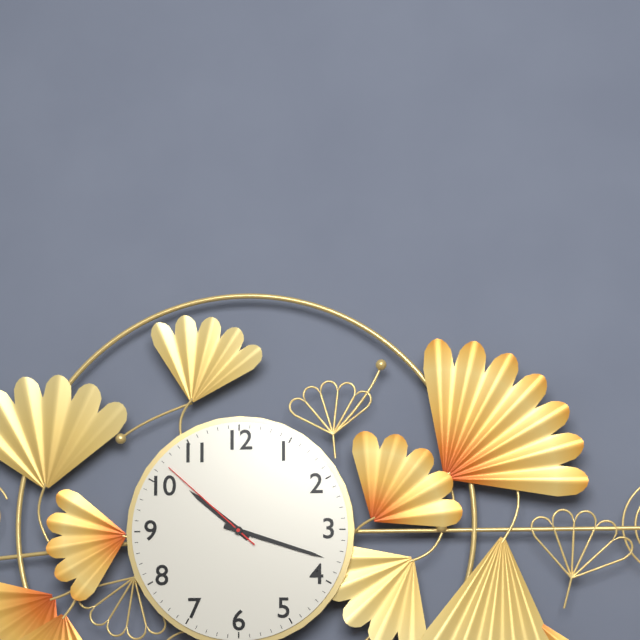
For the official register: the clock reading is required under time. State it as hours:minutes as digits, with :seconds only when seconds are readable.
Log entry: 10:18:52
